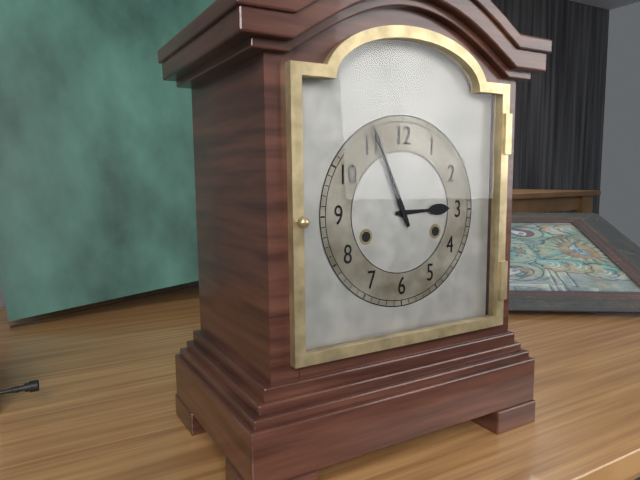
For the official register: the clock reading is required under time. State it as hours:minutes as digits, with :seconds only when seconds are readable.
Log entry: 2:56
